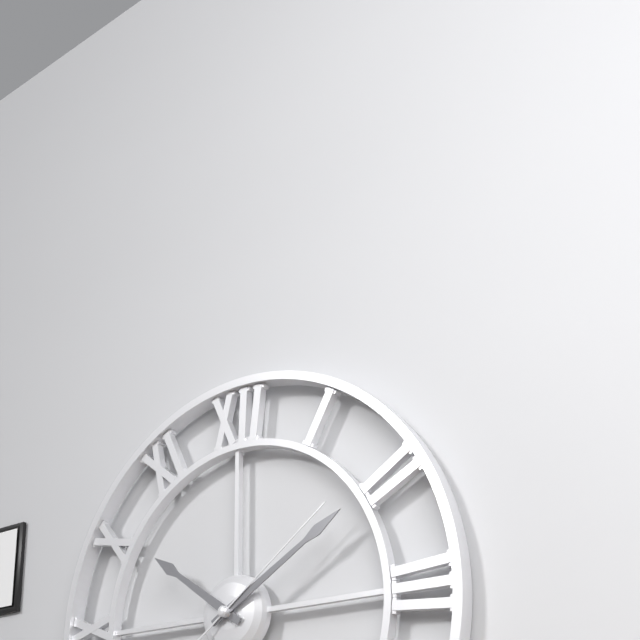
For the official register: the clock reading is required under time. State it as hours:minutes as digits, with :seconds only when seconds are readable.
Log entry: 10:10:09
